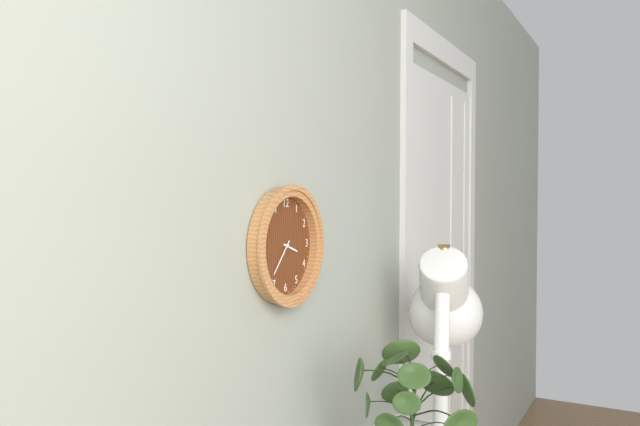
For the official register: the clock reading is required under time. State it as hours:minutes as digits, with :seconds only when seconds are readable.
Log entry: 3:37
